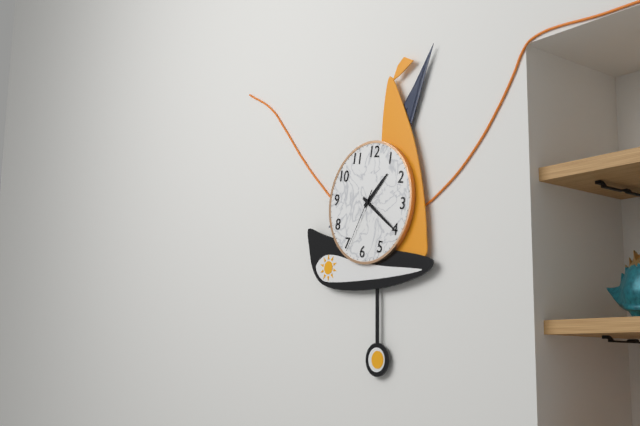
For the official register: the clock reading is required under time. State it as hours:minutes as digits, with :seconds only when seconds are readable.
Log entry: 1:20:34
